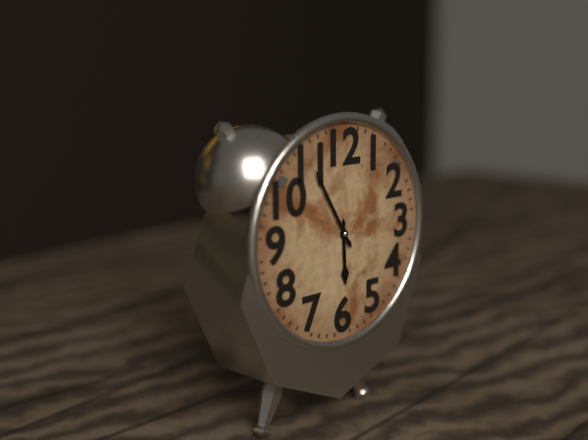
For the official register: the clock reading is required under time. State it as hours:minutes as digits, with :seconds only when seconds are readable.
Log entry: 5:55
